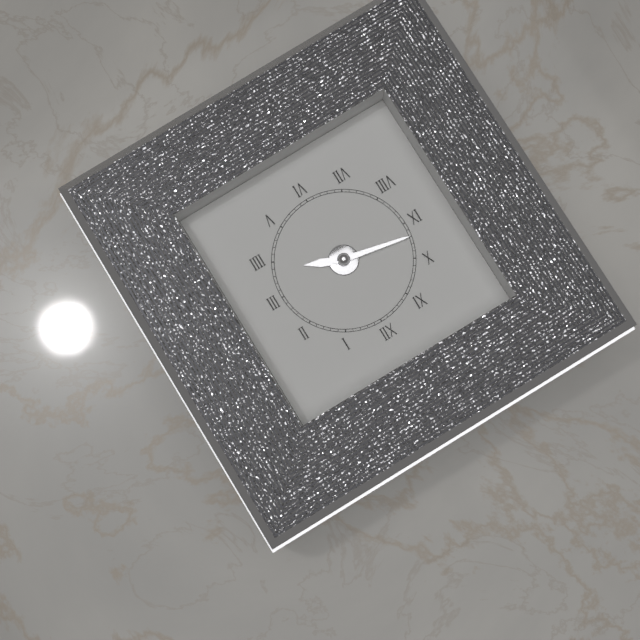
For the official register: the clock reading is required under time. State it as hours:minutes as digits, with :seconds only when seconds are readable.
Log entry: 3:47
